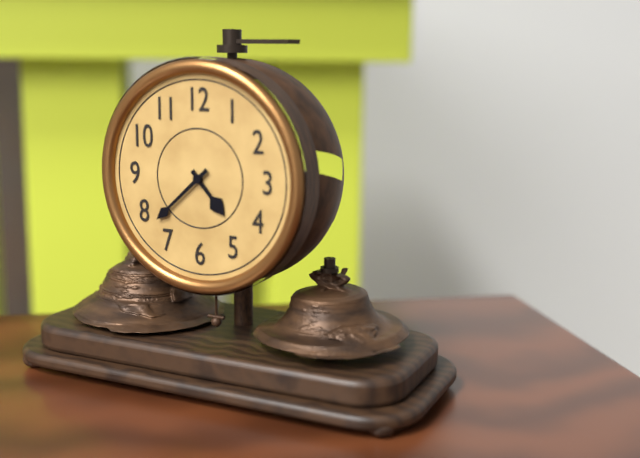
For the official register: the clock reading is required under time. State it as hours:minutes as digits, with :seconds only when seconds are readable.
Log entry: 4:38
